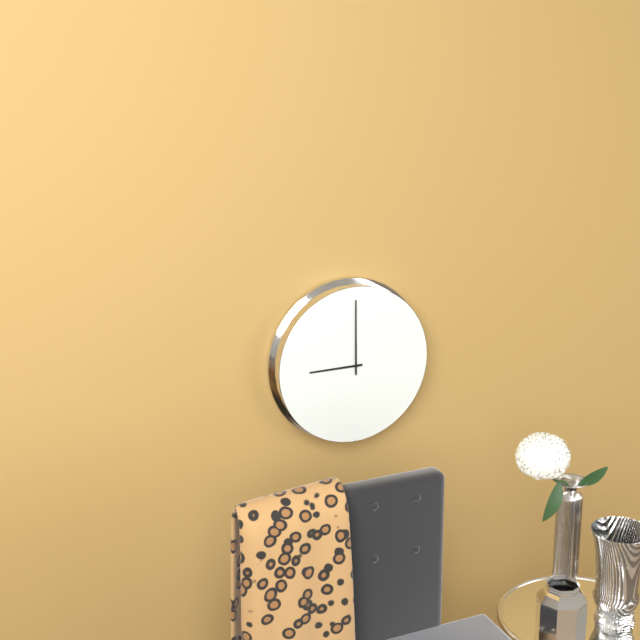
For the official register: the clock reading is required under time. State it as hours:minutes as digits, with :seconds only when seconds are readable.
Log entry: 9:00
